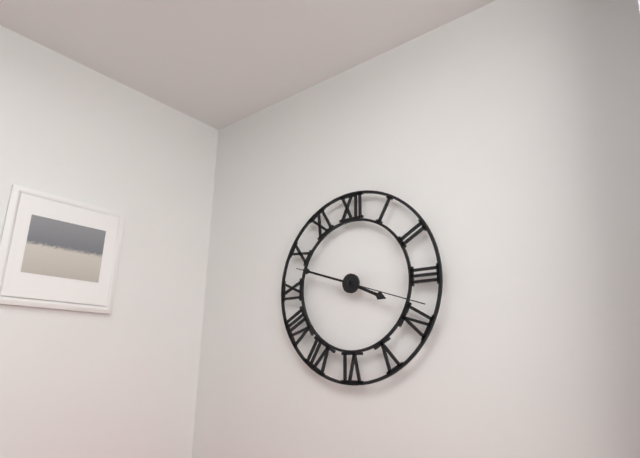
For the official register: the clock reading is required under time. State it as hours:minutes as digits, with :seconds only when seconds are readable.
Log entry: 3:48:18
